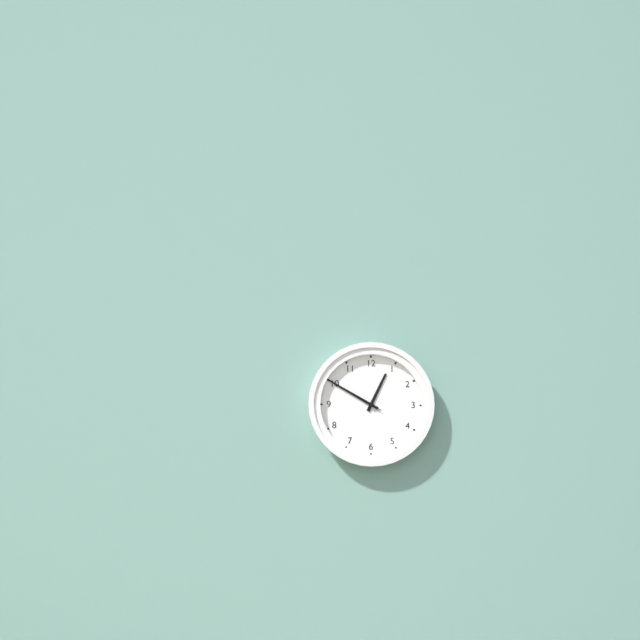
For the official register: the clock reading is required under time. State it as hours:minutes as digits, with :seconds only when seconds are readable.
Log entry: 12:50:50
